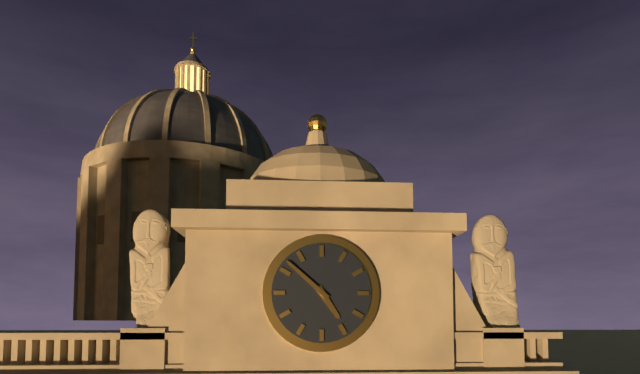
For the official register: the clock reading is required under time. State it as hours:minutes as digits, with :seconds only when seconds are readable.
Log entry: 4:52
